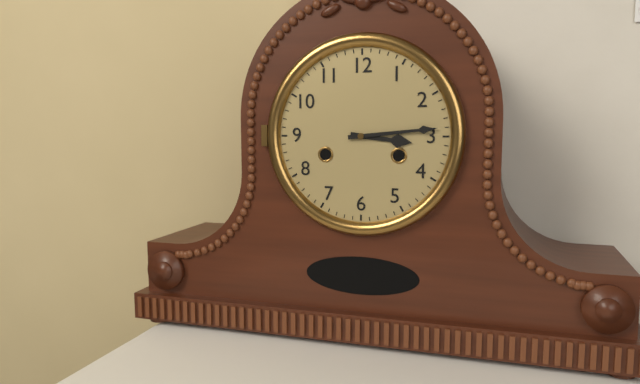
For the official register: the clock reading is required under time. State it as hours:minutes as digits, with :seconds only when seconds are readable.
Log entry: 3:14
